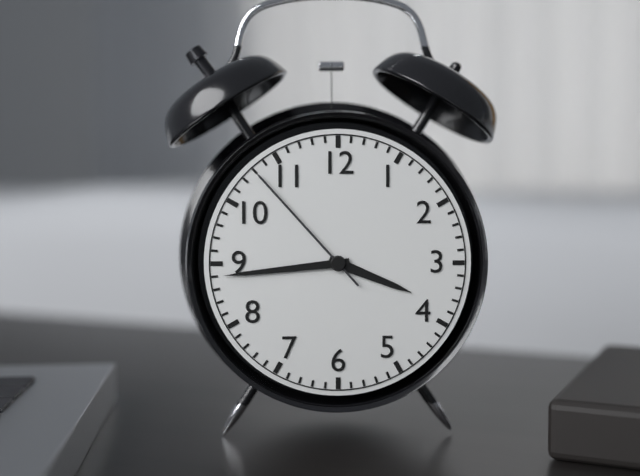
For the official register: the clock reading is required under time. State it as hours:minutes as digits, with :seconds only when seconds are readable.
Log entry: 3:44:53
